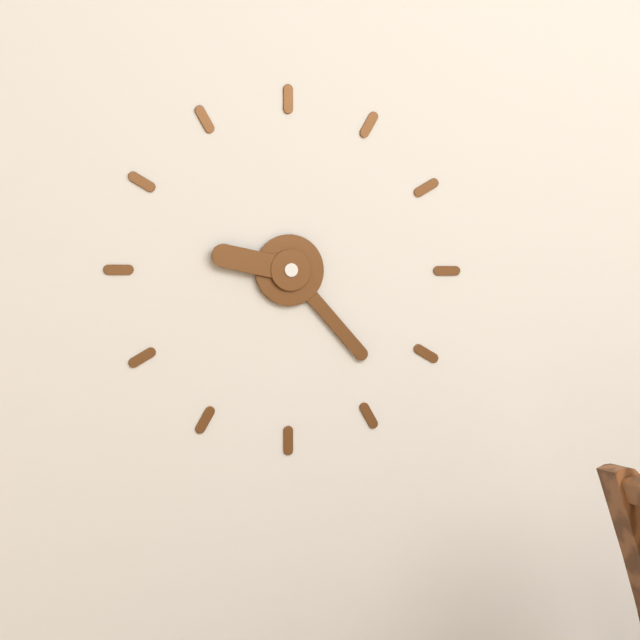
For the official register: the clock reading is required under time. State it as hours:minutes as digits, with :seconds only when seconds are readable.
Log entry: 9:23
